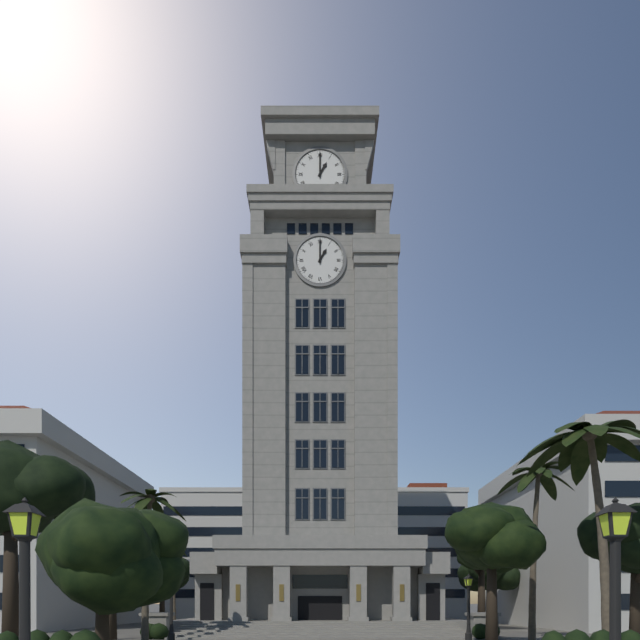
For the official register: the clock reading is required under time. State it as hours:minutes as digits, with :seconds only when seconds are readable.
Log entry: 1:00
